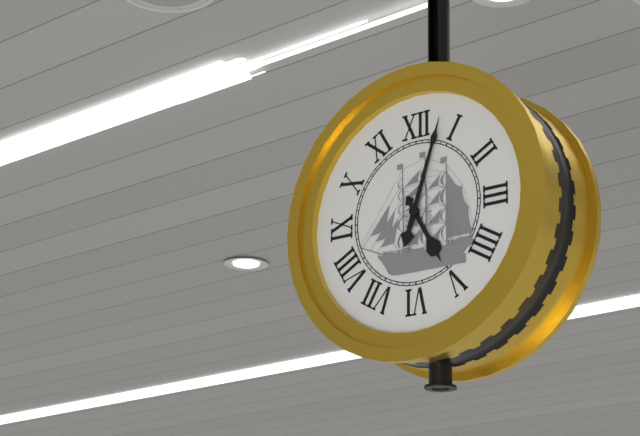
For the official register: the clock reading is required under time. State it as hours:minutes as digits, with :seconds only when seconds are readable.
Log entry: 5:03
